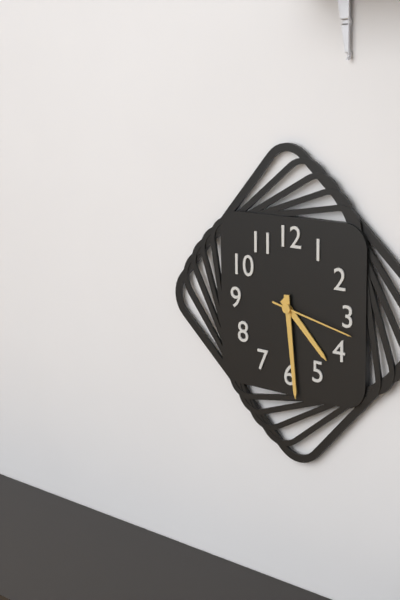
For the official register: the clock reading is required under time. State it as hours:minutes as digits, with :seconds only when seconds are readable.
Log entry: 4:29:17
